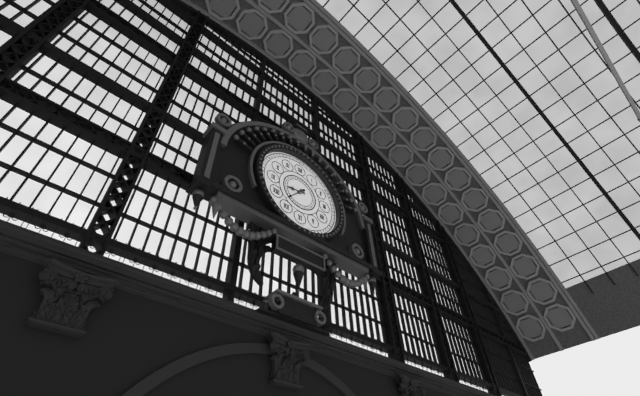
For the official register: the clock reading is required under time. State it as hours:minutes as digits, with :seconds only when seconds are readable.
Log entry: 8:37
